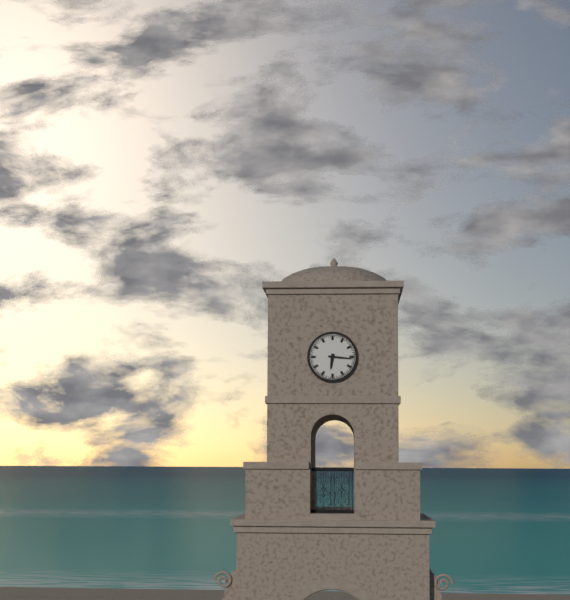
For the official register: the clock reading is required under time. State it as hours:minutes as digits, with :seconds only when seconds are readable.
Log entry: 6:16
